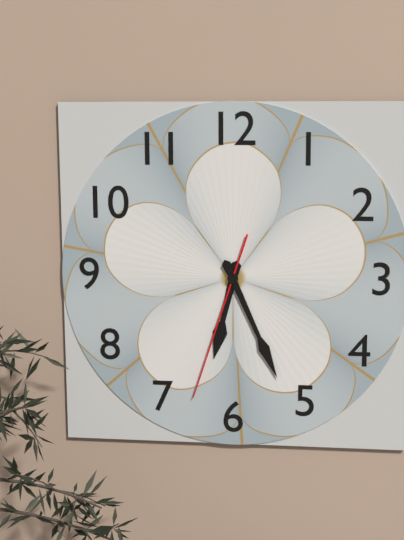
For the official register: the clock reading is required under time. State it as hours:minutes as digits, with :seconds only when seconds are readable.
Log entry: 6:26:33
